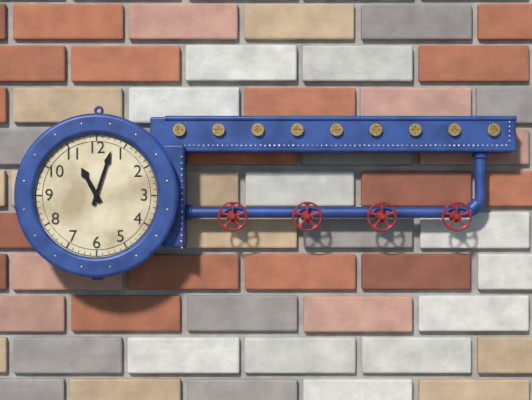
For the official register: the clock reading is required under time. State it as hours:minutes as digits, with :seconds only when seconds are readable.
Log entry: 11:03
